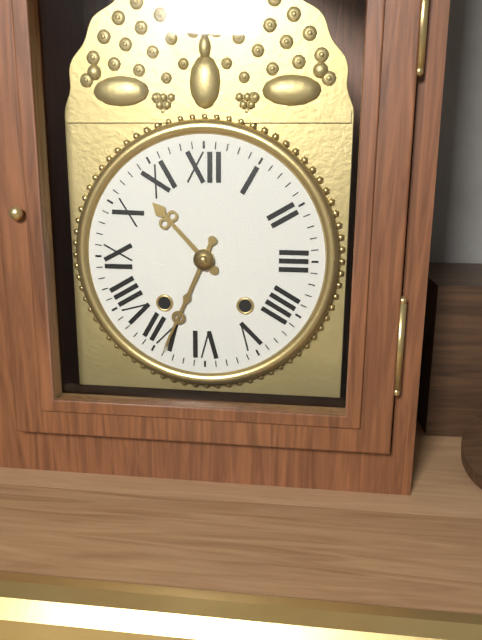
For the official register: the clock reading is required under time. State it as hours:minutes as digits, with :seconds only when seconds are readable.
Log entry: 10:34
